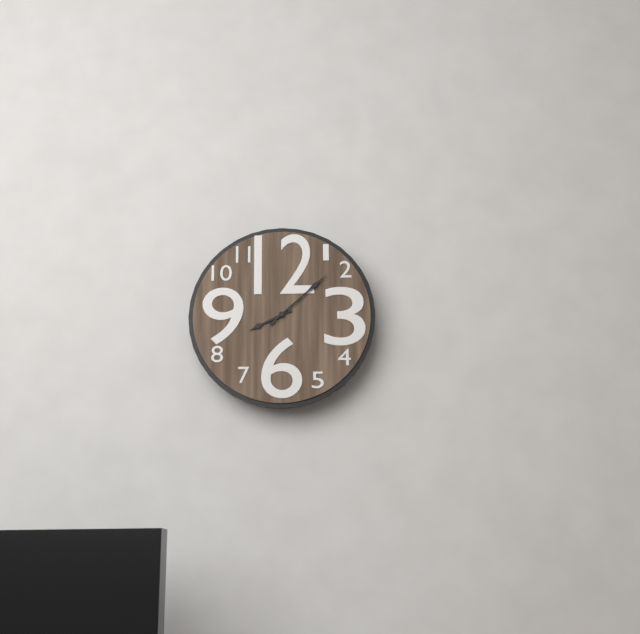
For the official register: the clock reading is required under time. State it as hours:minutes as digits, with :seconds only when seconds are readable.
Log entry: 8:08
